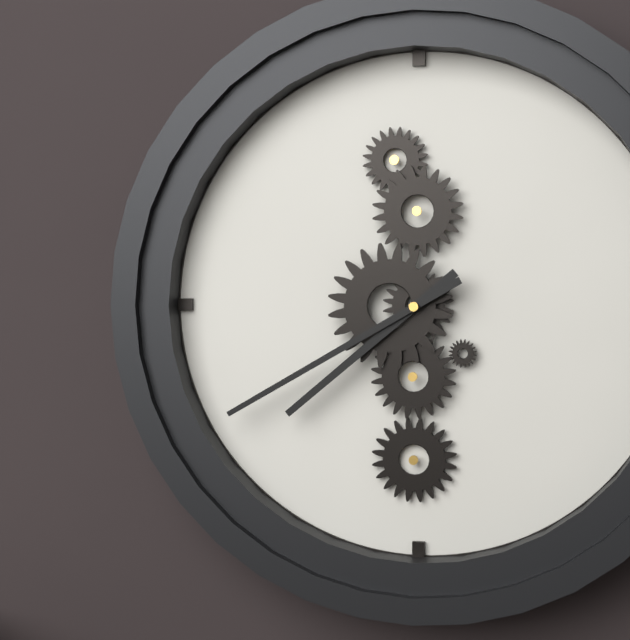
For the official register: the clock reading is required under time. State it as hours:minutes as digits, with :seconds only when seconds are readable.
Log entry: 7:40
